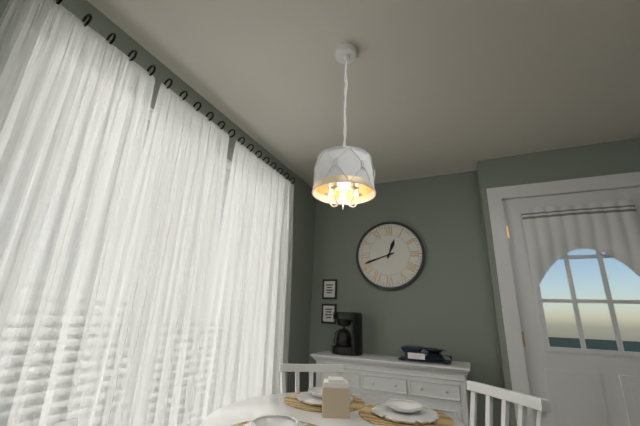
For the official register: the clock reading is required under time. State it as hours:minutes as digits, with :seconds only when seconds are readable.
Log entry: 12:42
